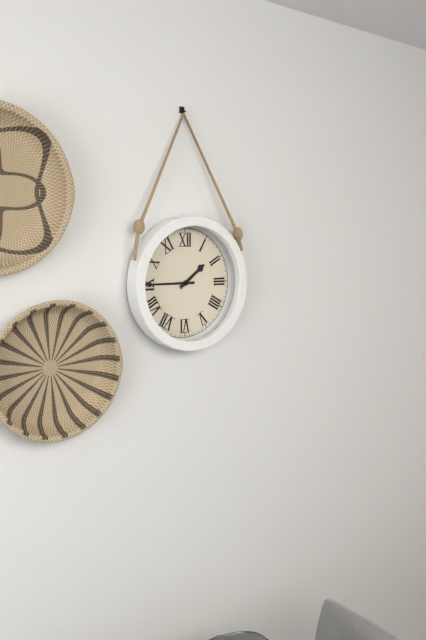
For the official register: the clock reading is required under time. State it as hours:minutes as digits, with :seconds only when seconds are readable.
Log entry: 1:45
